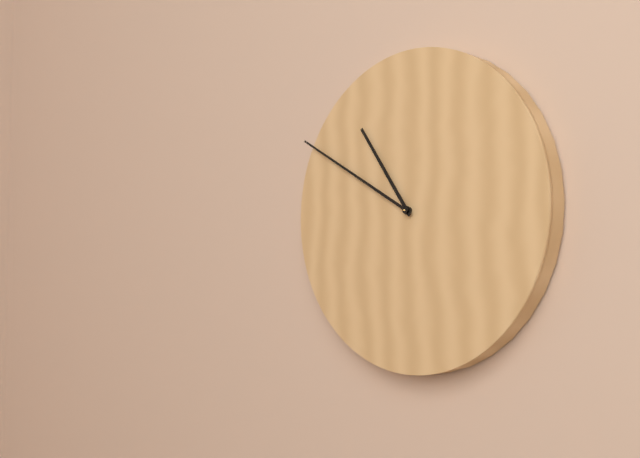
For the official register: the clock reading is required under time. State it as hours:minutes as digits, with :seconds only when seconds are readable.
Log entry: 10:50
